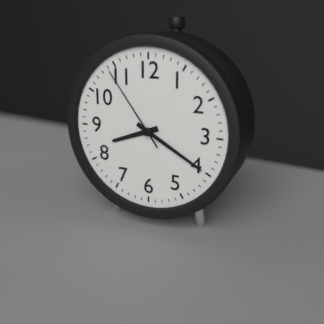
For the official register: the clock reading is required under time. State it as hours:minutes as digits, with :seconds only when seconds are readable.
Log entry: 8:20:54
